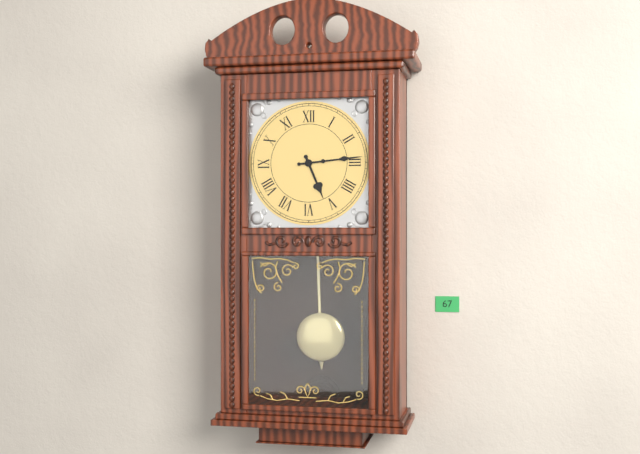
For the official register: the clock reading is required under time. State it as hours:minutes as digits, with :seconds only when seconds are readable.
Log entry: 5:14
